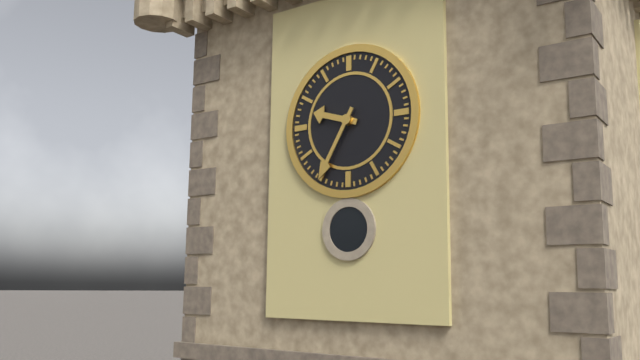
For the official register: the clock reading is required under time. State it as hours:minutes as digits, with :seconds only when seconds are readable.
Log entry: 9:35
